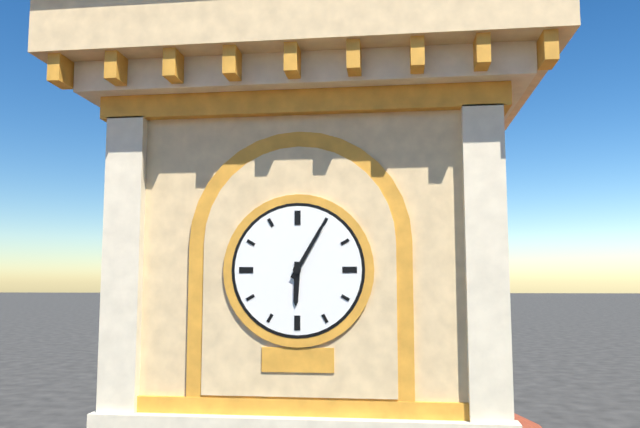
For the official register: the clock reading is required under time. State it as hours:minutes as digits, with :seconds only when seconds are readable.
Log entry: 6:05
